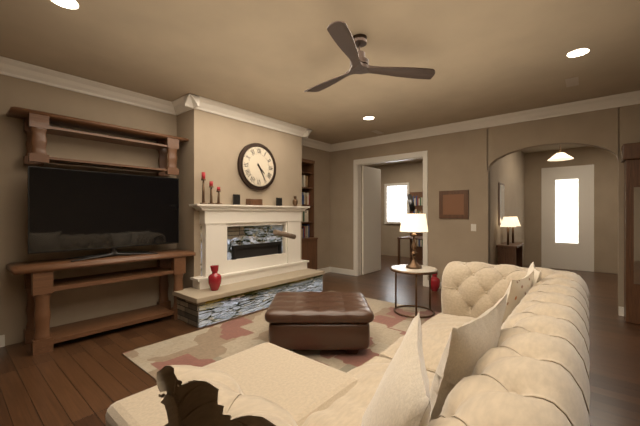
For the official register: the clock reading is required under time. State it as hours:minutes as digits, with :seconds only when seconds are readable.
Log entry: 4:25
